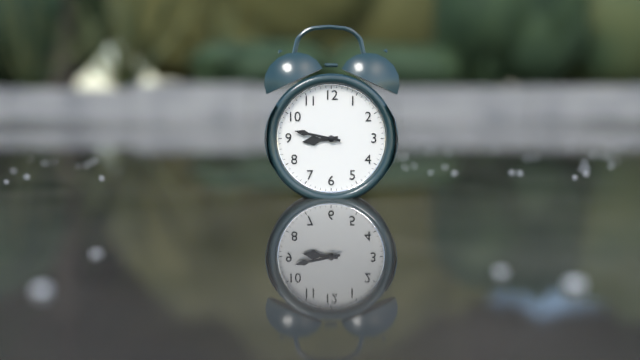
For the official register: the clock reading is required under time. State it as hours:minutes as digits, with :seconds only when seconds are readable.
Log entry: 8:47
